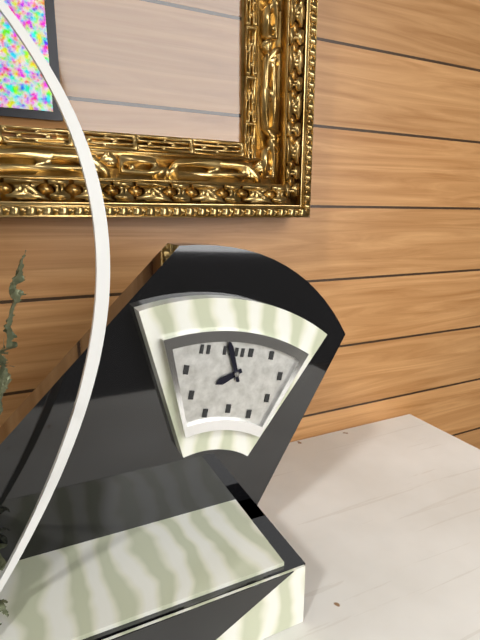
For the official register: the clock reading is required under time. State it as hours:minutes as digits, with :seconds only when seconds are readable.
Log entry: 7:56
